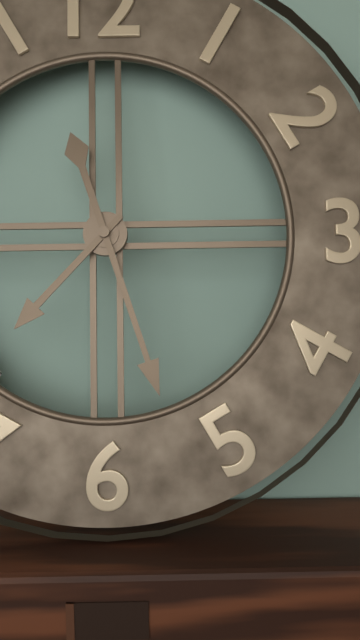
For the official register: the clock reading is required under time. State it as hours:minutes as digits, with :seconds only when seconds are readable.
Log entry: 7:27
